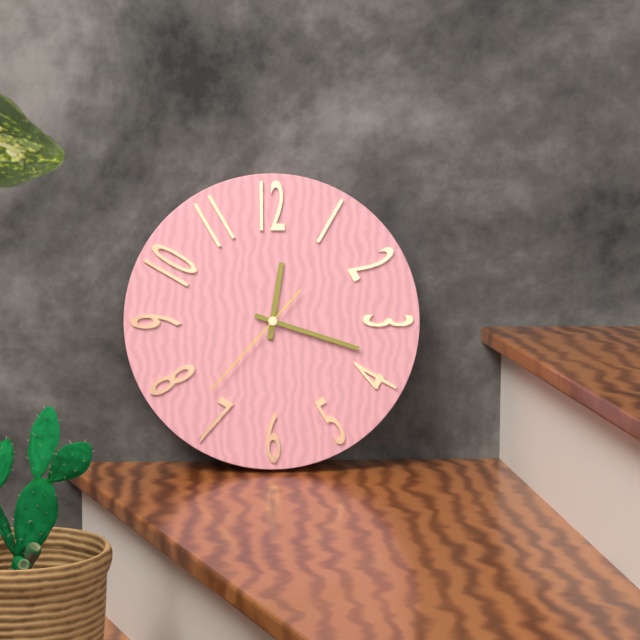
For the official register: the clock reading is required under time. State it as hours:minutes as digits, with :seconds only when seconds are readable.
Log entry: 12:18:37
